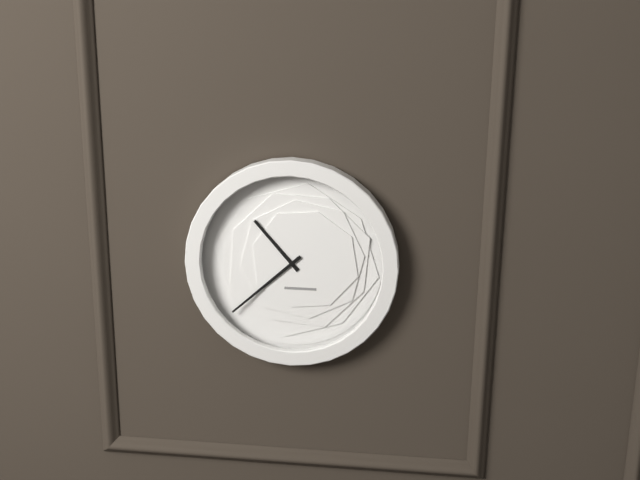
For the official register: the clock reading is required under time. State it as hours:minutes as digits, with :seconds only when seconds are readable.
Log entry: 10:38
